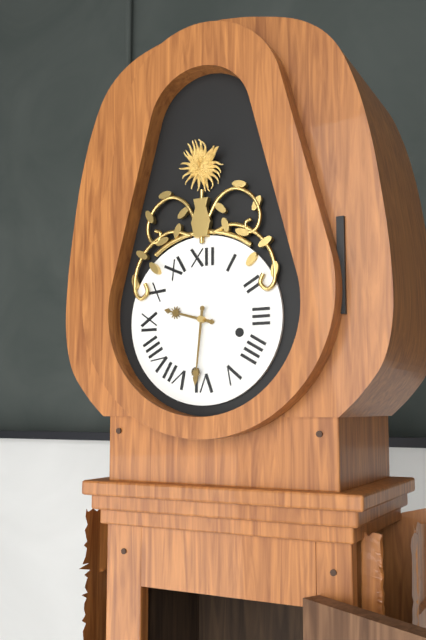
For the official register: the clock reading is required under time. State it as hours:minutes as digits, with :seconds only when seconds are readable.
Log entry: 9:31
